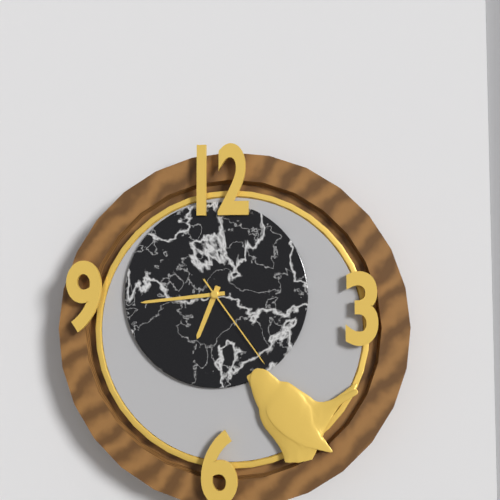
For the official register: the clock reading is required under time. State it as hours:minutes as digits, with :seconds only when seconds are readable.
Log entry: 6:44:24
